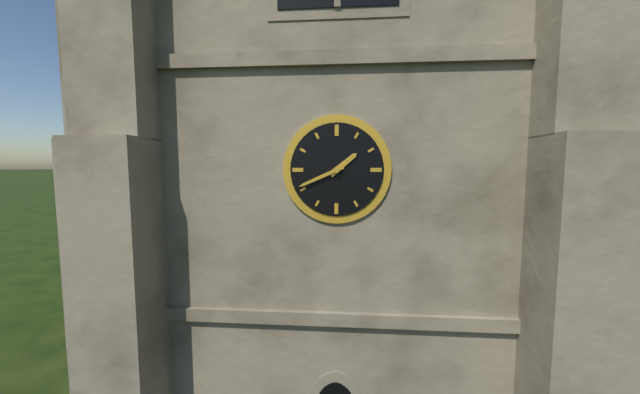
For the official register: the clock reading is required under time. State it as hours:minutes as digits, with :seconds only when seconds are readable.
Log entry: 1:41
